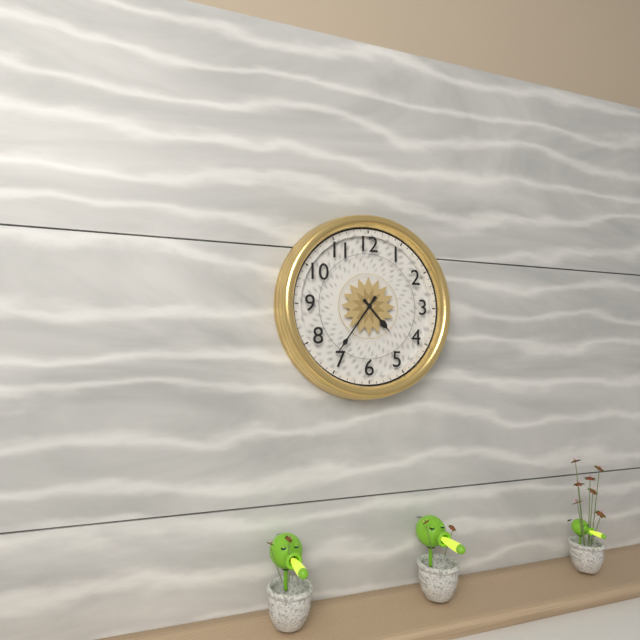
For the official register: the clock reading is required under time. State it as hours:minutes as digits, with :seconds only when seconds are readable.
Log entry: 4:36
